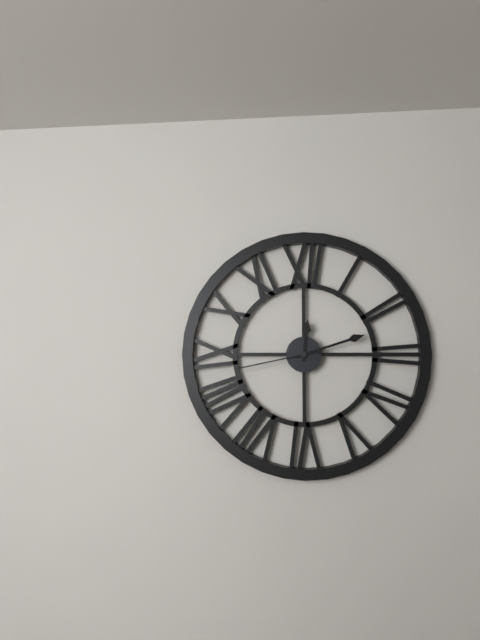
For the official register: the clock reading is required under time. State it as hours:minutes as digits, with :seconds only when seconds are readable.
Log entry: 12:12:43
